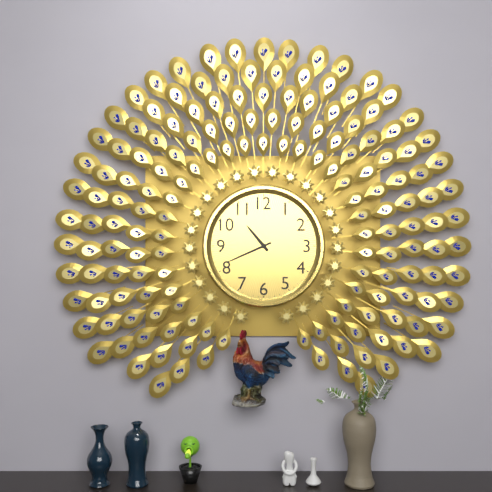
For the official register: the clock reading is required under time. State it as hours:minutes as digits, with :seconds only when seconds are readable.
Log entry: 10:41
